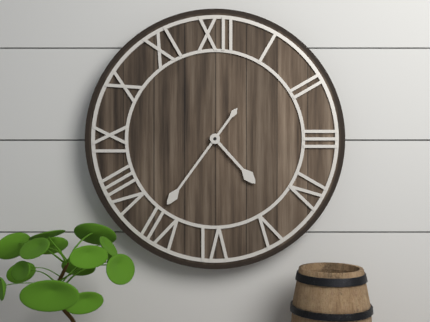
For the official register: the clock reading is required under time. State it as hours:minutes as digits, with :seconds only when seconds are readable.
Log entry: 4:36
